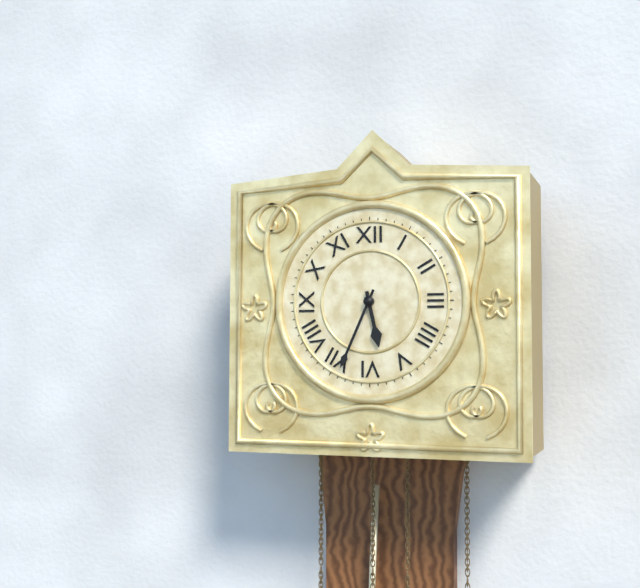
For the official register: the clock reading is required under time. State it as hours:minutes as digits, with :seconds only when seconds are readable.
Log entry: 5:34
